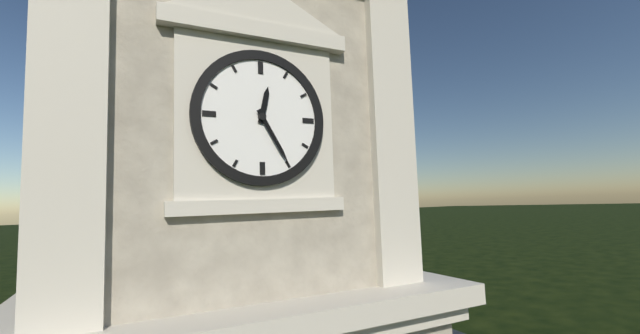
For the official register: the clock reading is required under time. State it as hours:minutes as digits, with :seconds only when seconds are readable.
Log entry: 12:25
